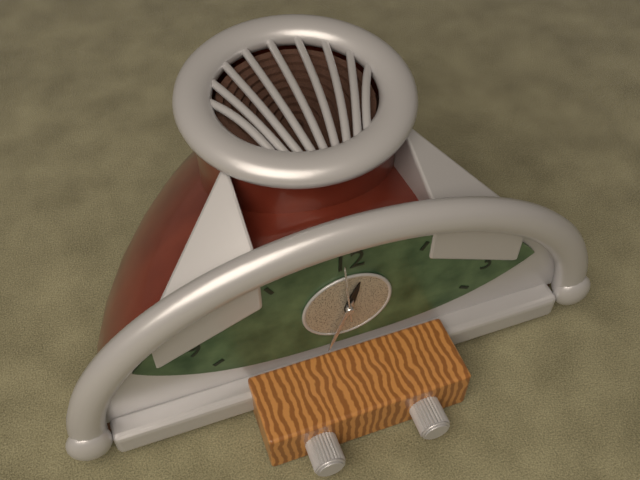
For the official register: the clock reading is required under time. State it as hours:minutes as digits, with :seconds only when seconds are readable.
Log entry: 12:33:59
